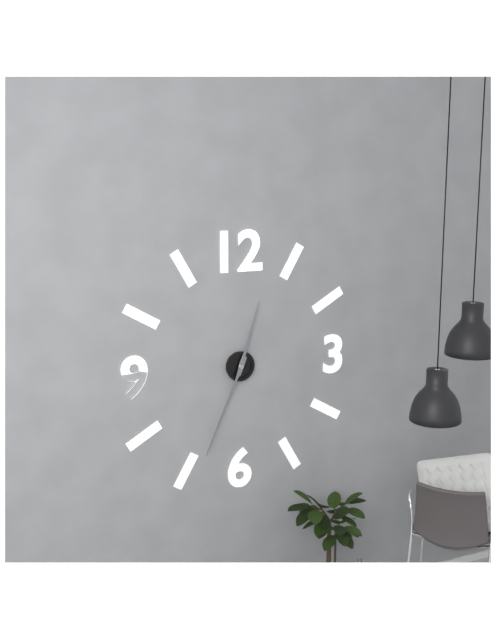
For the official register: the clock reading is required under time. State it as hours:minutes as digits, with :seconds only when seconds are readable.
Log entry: 12:34
